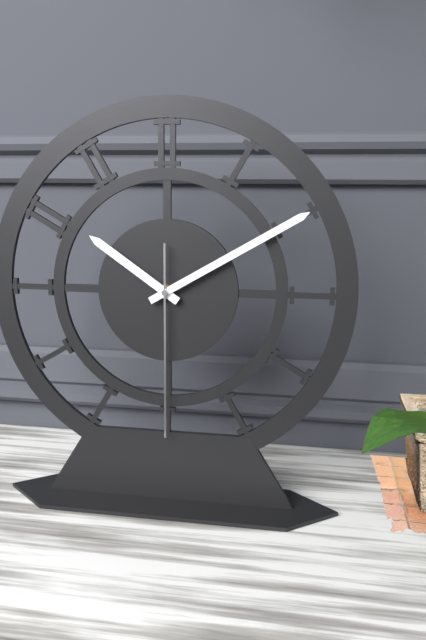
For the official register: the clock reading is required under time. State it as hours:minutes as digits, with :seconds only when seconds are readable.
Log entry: 10:10:30
